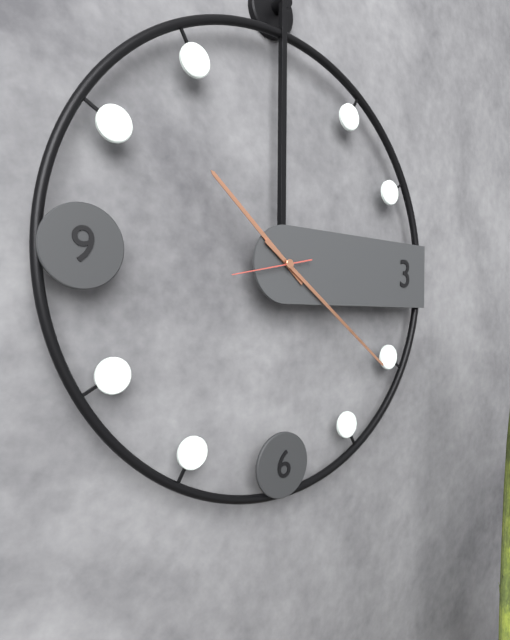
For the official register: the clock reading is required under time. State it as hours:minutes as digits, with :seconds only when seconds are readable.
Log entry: 10:21:43
